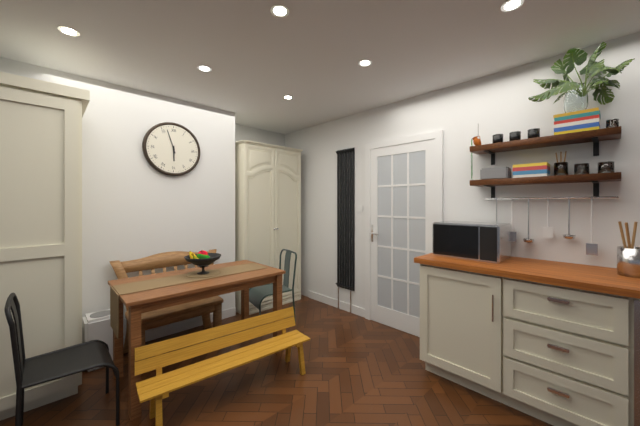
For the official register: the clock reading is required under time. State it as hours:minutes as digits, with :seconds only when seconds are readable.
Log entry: 5:57
